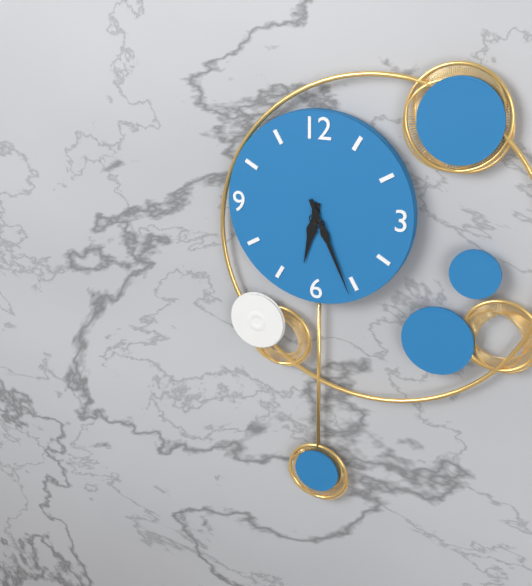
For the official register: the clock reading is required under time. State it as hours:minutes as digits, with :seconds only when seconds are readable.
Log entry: 6:26
